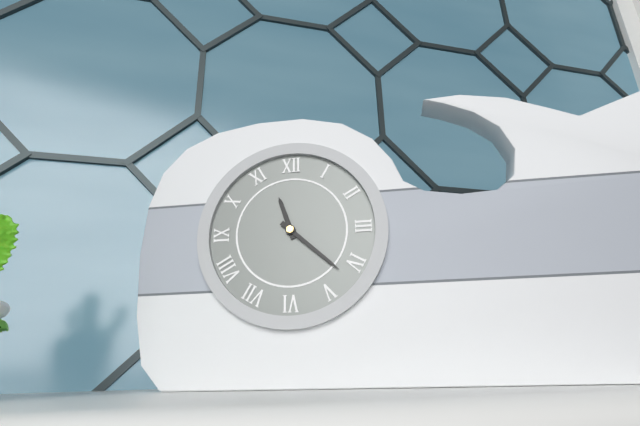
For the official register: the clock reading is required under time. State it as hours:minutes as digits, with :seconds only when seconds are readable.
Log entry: 11:22
